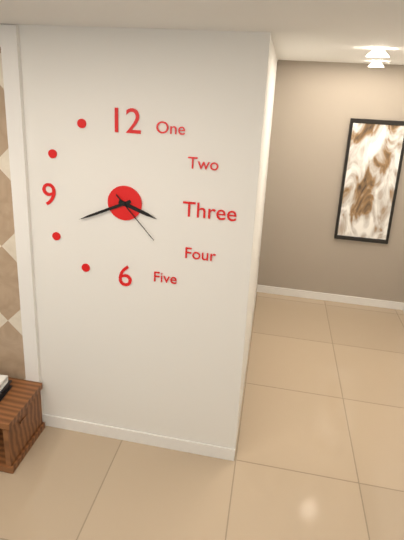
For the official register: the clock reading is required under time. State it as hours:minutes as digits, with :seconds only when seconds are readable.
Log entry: 3:41:23
